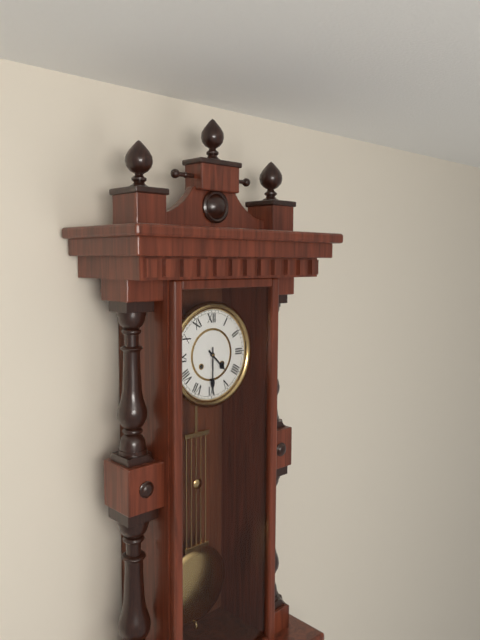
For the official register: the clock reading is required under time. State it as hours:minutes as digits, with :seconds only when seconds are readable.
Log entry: 4:30
